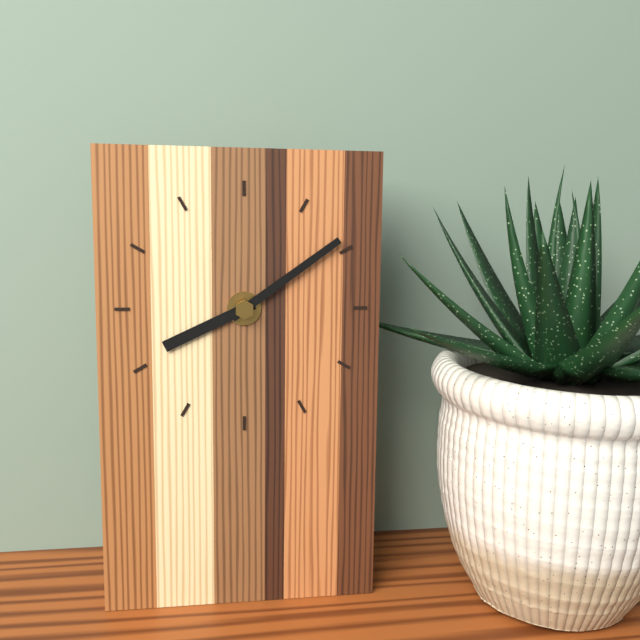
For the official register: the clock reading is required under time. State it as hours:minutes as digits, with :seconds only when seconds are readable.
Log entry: 8:09
